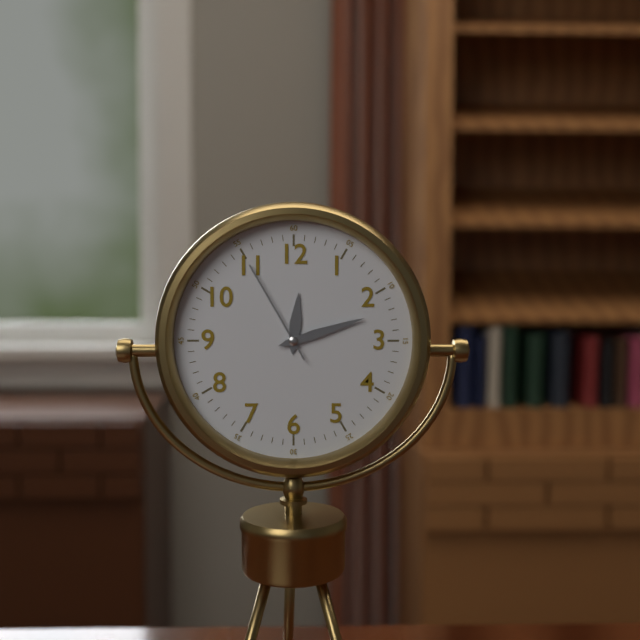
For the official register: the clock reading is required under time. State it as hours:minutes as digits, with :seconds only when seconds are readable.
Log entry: 12:12:55
